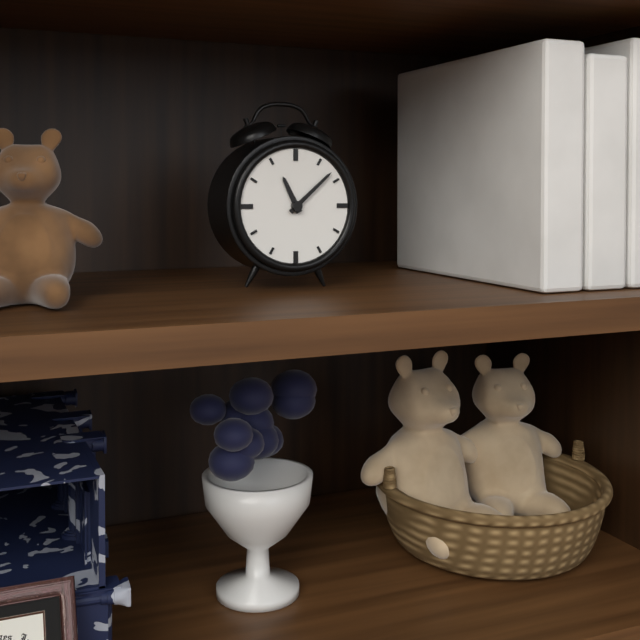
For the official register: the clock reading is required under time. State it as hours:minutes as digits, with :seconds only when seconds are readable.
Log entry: 11:08
